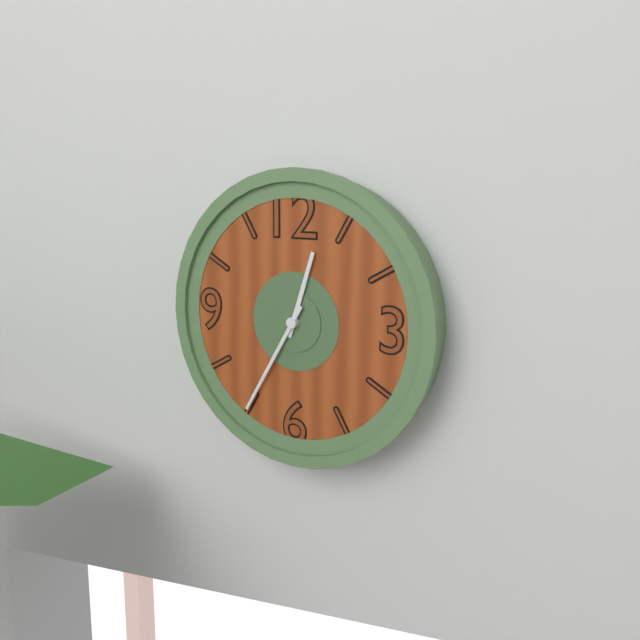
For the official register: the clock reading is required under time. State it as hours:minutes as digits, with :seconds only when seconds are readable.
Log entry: 12:35
